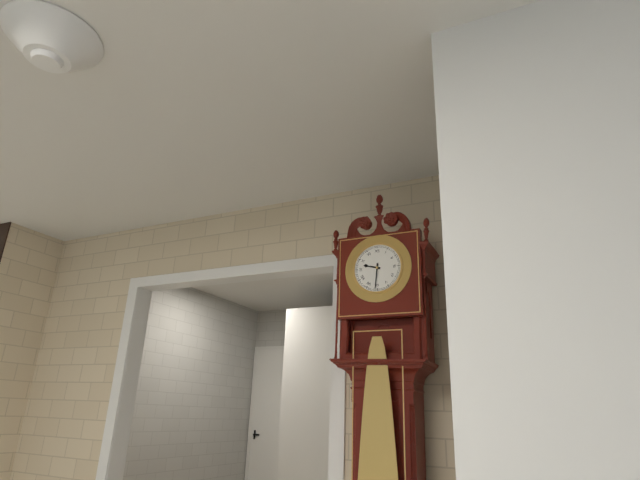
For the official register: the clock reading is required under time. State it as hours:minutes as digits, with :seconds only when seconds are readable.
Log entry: 9:31
